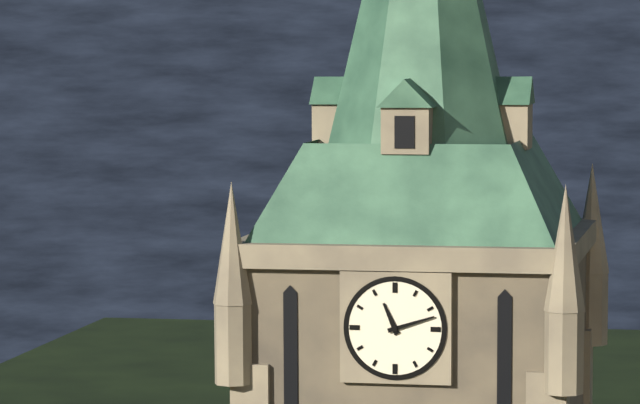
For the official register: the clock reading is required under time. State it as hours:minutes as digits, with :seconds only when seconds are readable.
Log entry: 11:12
